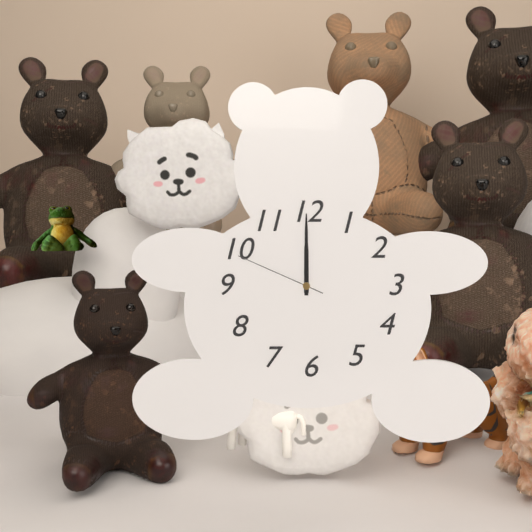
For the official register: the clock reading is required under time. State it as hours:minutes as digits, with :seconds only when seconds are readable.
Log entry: 12:00:49
